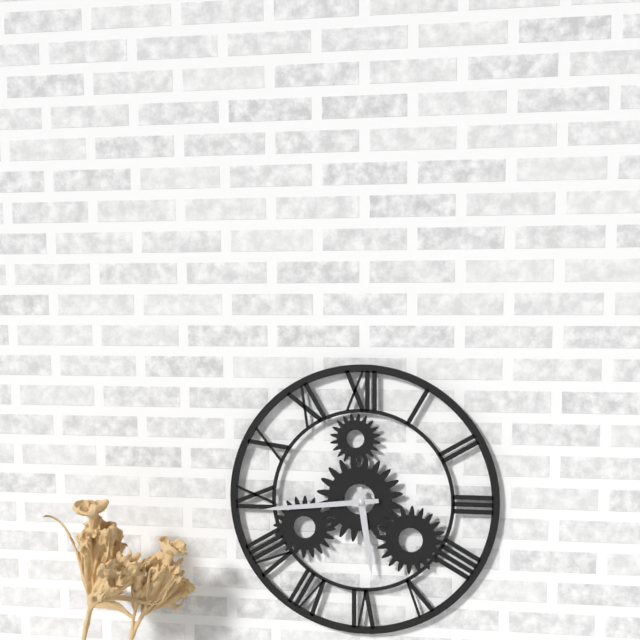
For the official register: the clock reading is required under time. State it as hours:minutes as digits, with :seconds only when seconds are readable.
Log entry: 5:44
